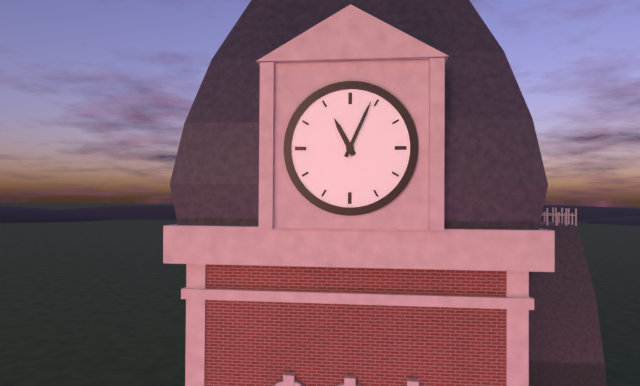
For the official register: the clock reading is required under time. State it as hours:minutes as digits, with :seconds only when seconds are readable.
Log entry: 11:04
